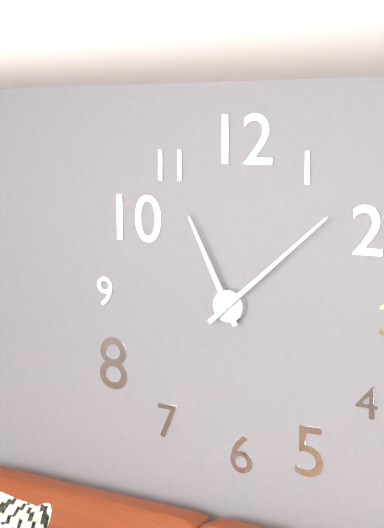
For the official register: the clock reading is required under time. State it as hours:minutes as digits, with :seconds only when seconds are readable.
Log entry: 11:08
